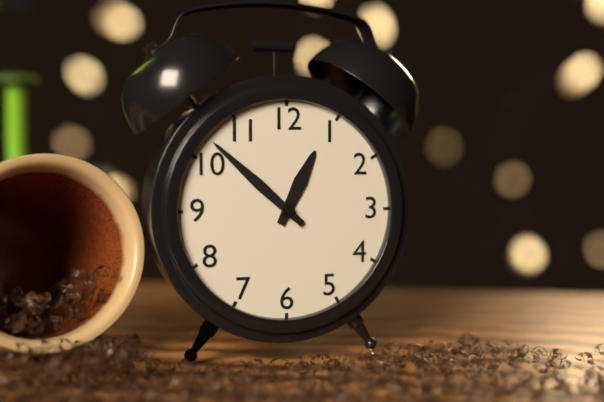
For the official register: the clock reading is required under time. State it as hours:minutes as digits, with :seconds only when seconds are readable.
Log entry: 12:52
